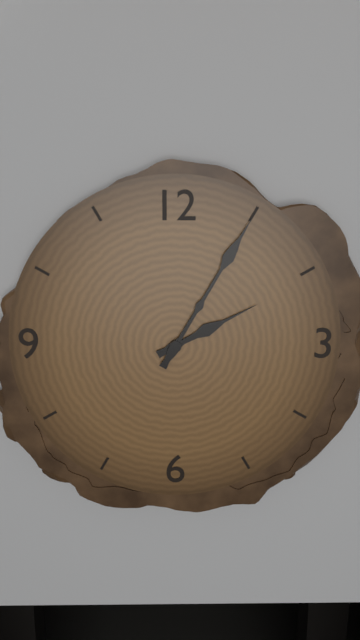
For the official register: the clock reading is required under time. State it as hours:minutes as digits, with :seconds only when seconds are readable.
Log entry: 2:05
